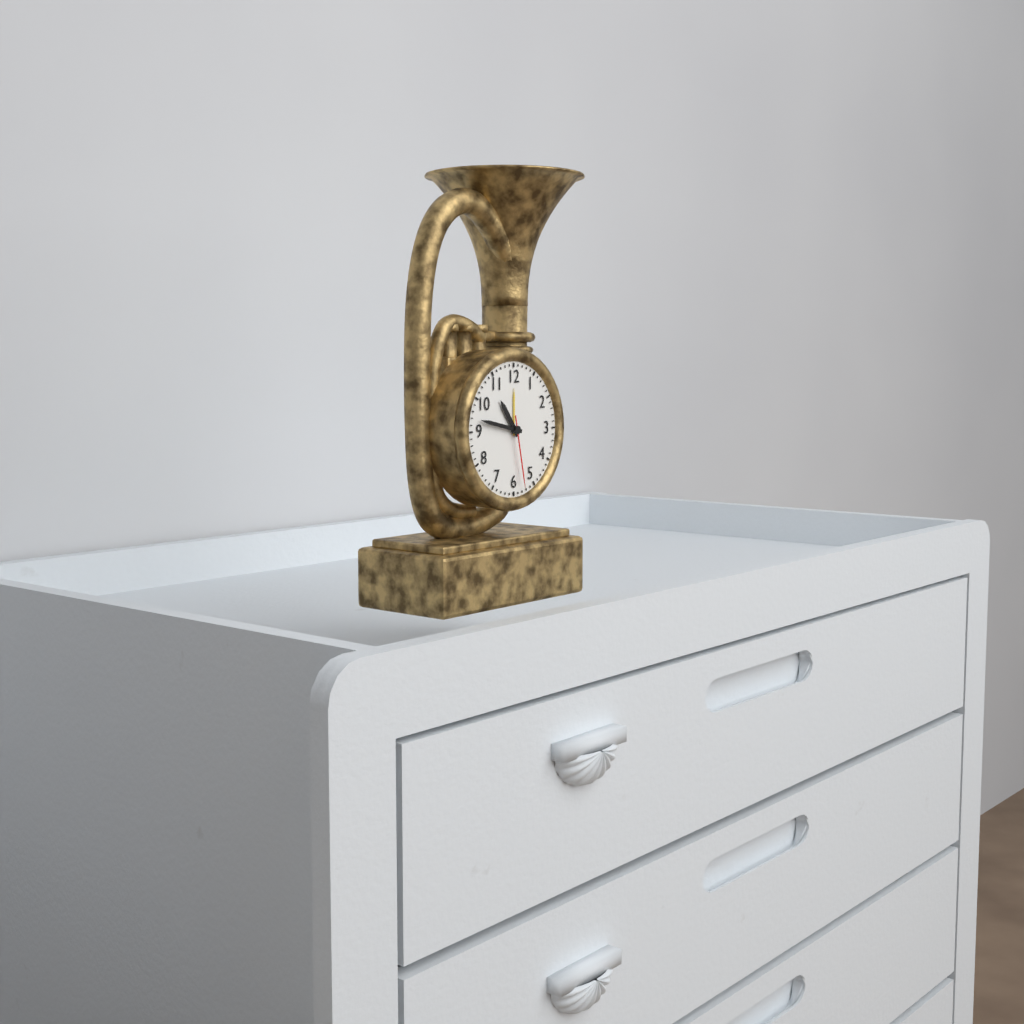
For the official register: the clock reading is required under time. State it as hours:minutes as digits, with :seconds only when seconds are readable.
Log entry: 10:47:28
